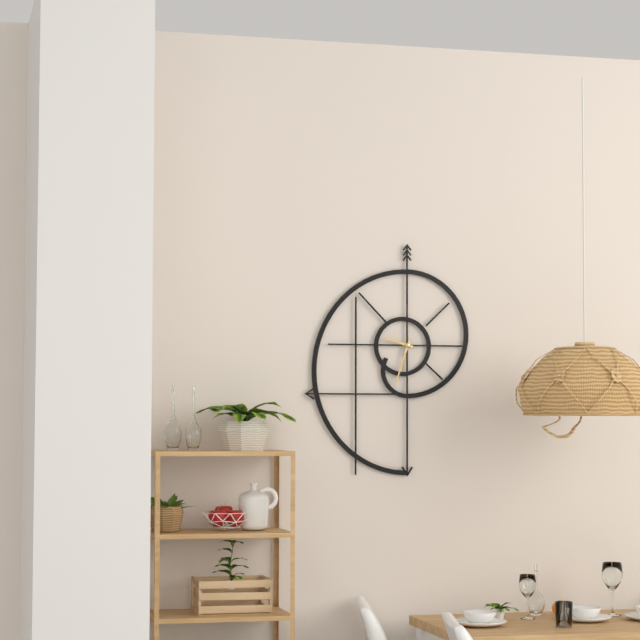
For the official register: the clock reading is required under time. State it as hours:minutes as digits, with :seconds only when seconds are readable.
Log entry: 9:33
